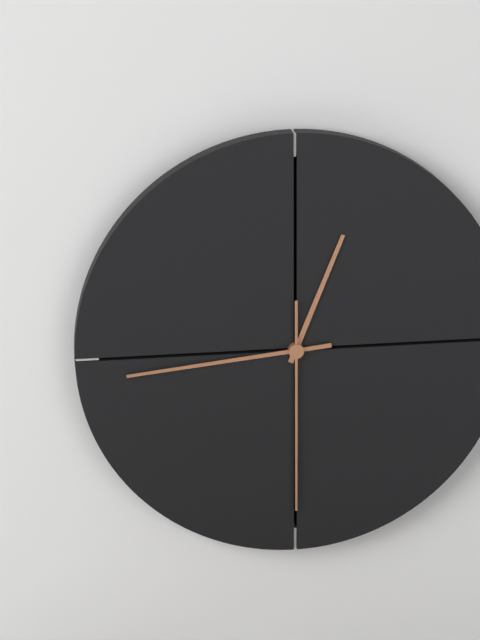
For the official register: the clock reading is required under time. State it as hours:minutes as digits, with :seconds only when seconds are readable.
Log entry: 12:44:30
